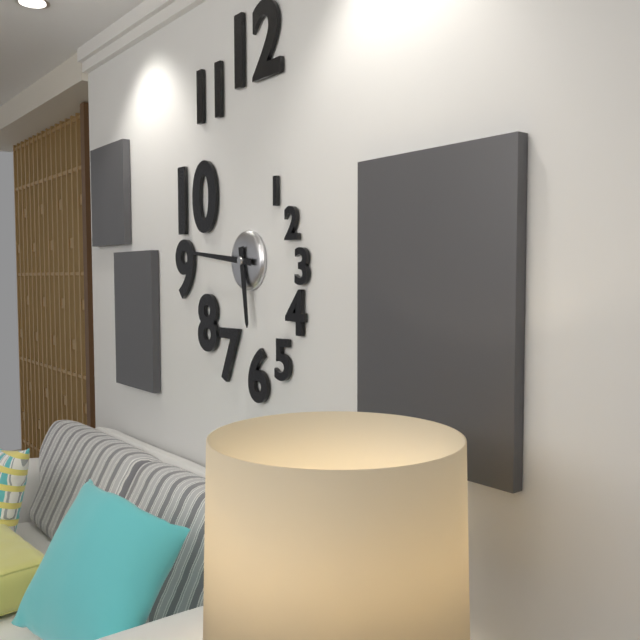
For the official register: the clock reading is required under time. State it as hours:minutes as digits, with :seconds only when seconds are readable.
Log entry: 5:46
